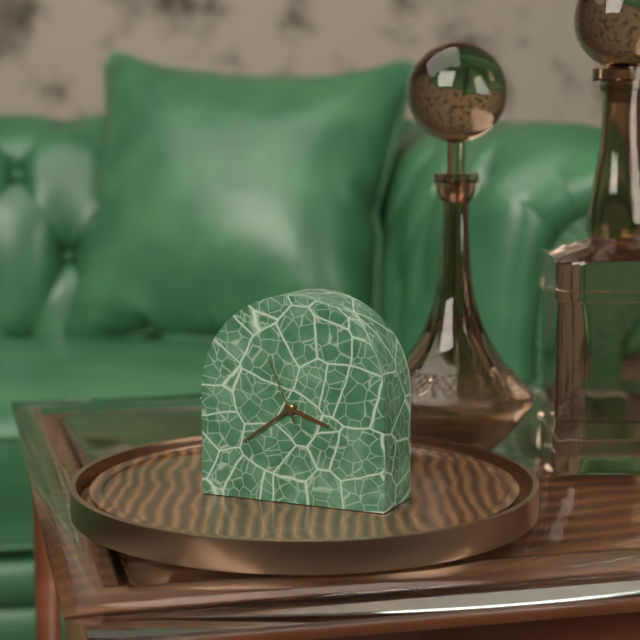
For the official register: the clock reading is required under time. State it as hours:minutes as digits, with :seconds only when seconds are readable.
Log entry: 3:39:56
